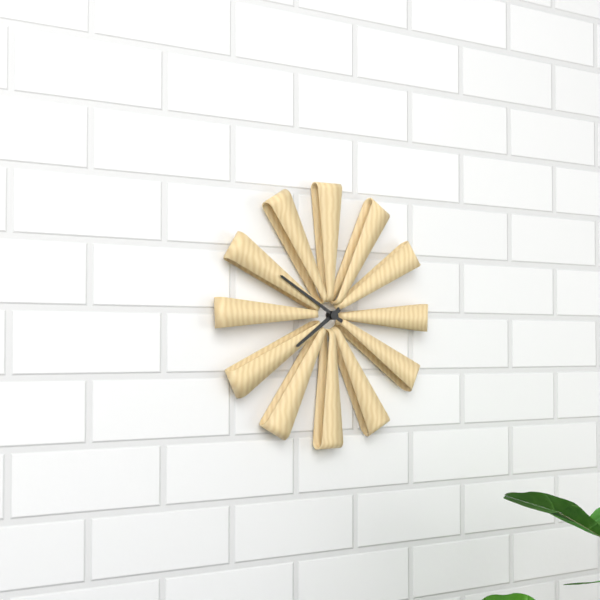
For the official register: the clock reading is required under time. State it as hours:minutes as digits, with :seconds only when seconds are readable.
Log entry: 7:50
